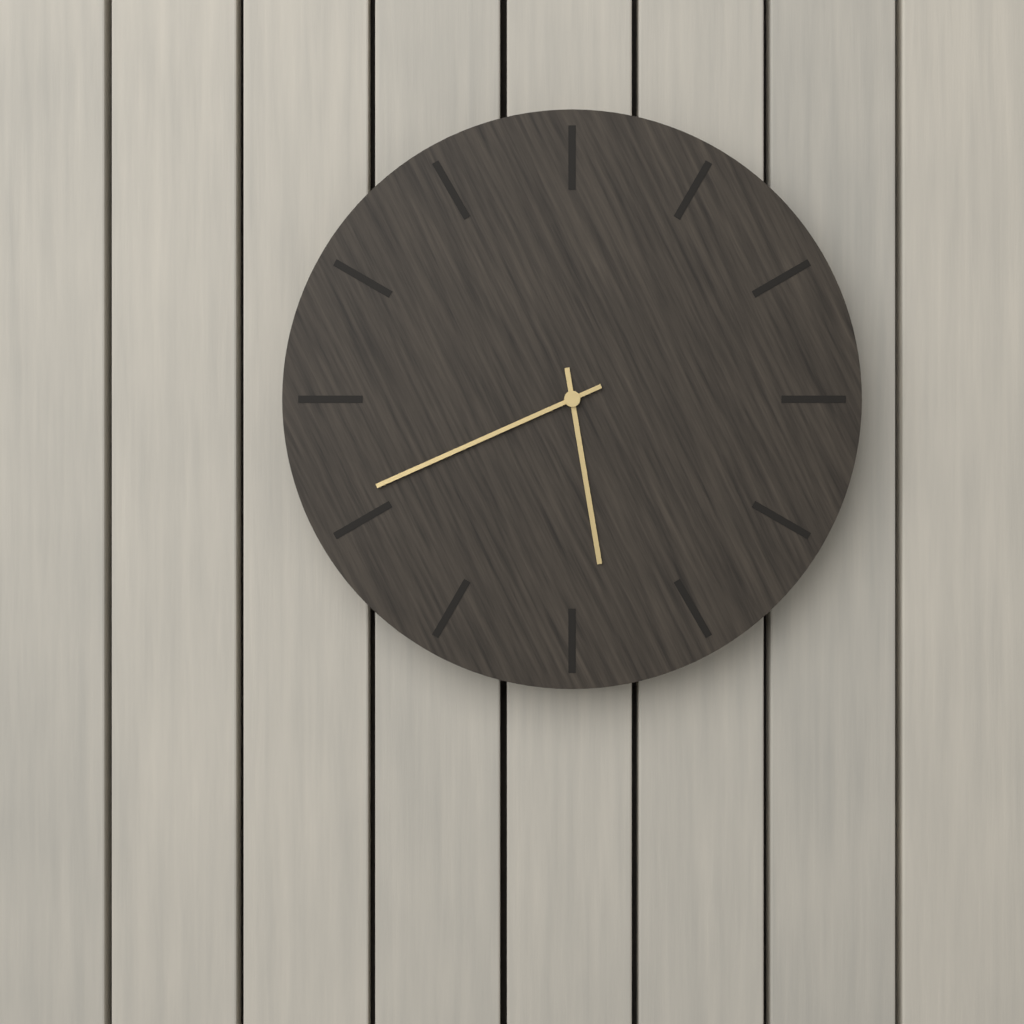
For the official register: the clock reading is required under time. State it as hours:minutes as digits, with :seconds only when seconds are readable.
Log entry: 5:41
